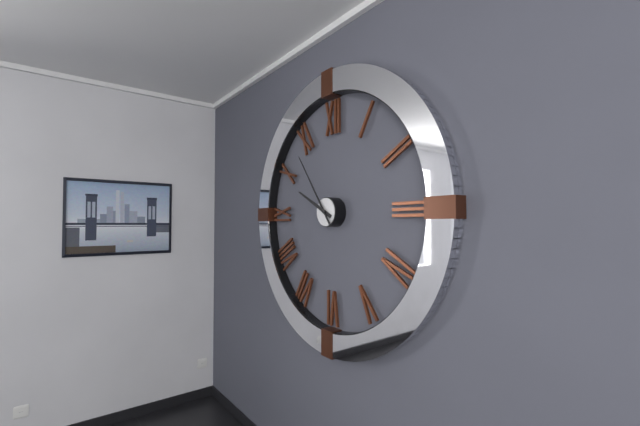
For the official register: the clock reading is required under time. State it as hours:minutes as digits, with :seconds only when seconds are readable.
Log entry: 9:54
